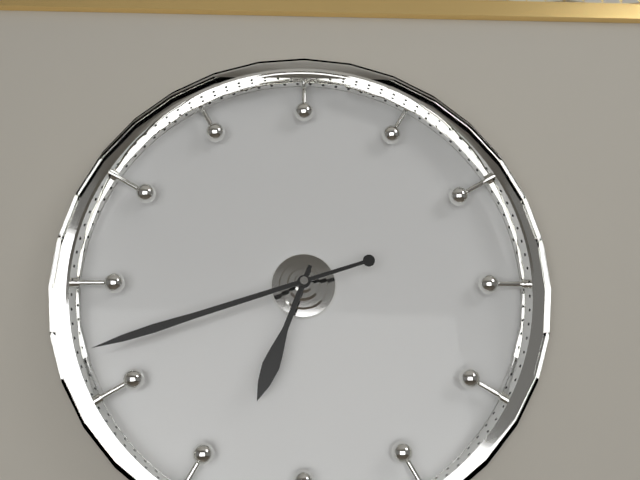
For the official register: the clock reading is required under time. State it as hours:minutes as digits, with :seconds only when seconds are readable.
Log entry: 6:42
